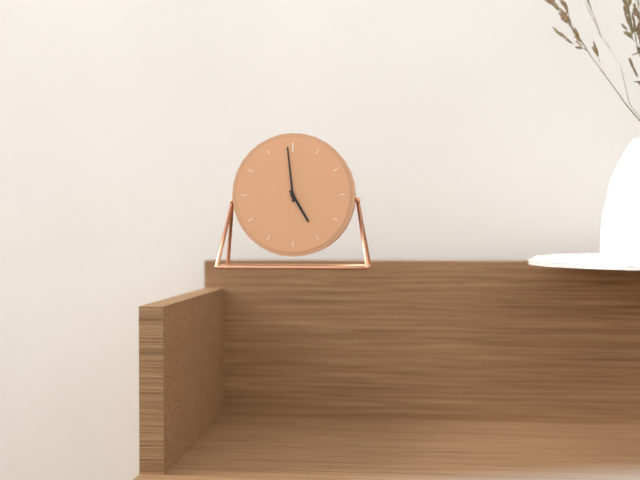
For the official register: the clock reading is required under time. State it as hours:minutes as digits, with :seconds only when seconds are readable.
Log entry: 4:59
